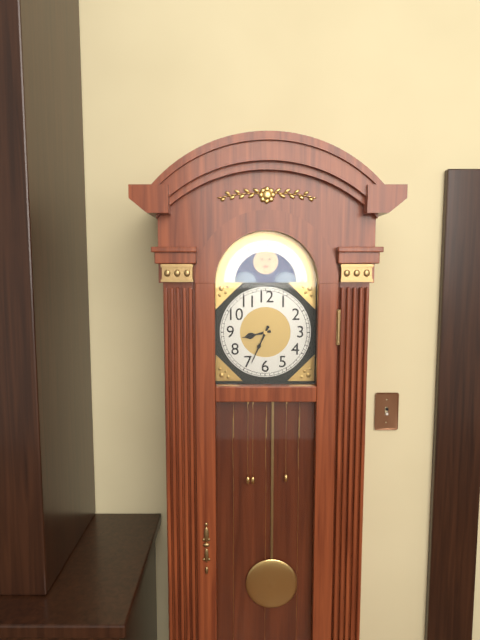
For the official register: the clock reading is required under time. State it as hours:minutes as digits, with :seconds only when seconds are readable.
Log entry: 8:34
